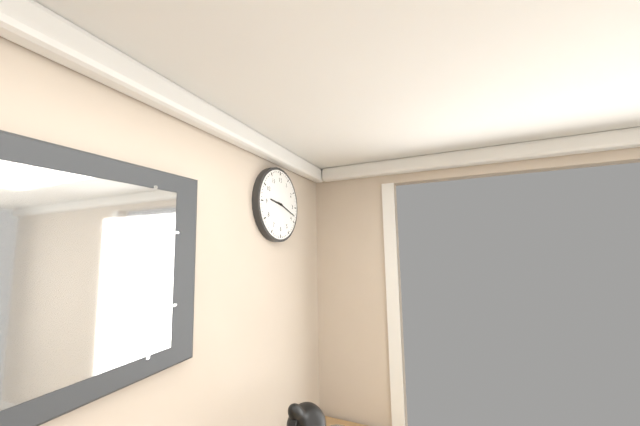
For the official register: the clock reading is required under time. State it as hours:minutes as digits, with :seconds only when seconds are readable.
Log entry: 9:18
